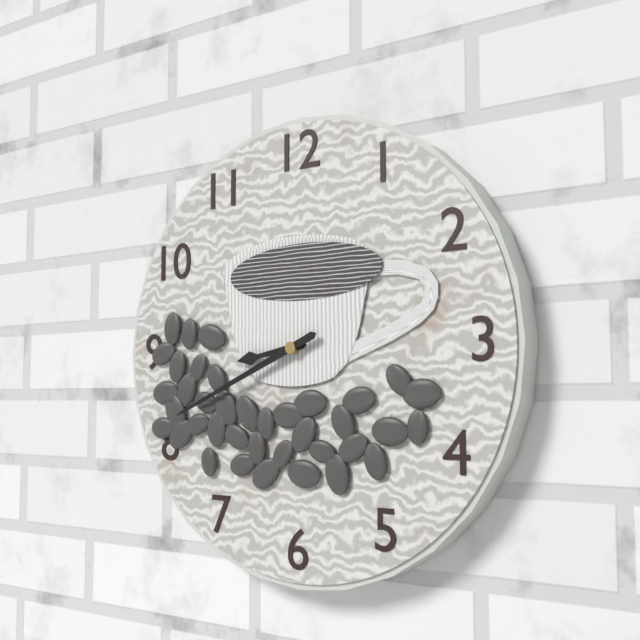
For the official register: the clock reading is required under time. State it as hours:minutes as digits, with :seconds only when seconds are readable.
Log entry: 8:41
